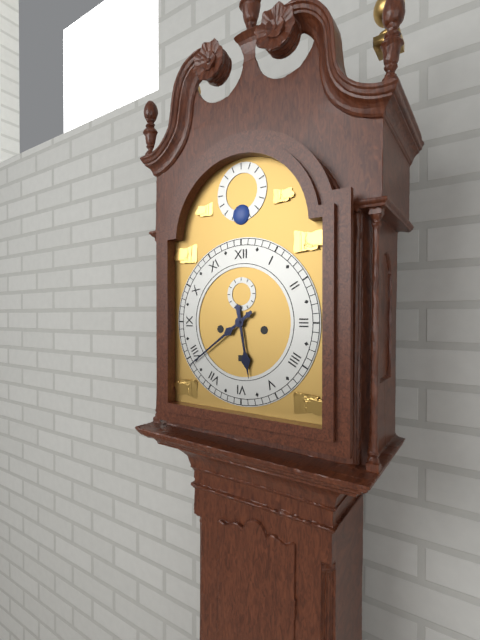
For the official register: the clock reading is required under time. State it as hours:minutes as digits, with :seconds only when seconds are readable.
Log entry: 5:39
